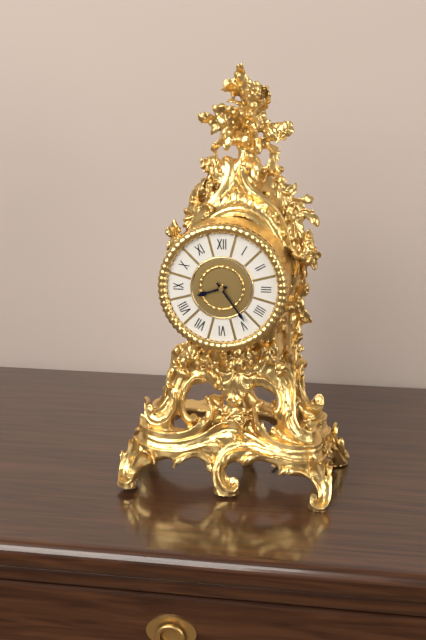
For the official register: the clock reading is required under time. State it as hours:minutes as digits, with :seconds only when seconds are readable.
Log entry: 8:24
